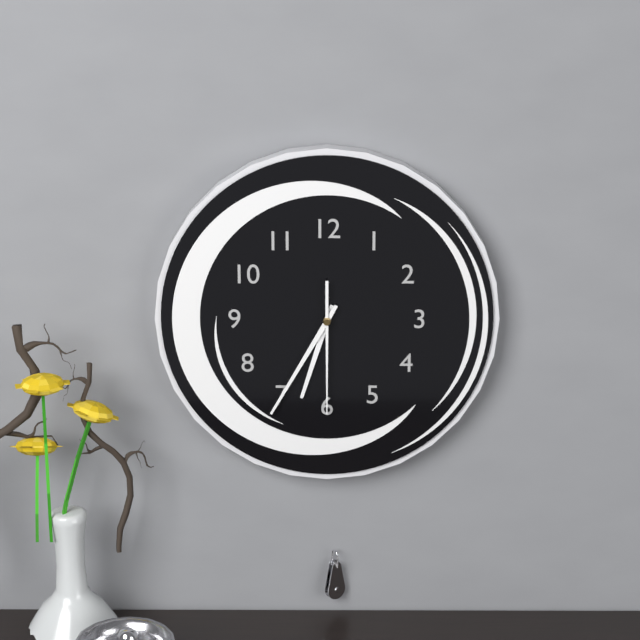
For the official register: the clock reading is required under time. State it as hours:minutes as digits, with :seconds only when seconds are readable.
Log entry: 6:35:30
